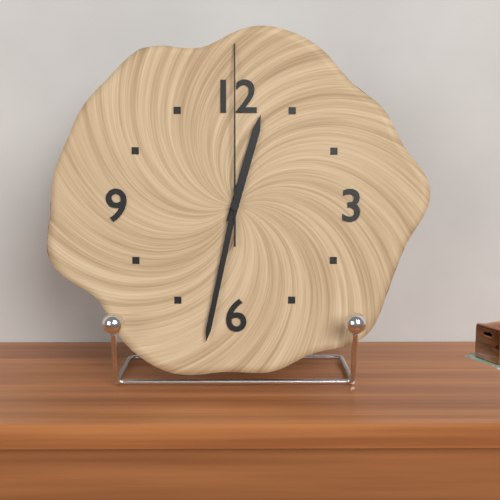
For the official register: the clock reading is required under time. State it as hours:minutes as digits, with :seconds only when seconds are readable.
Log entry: 12:32:00
